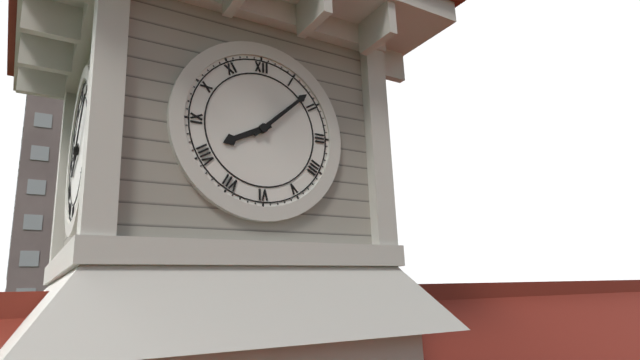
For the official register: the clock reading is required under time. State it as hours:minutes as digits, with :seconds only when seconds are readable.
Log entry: 8:08
